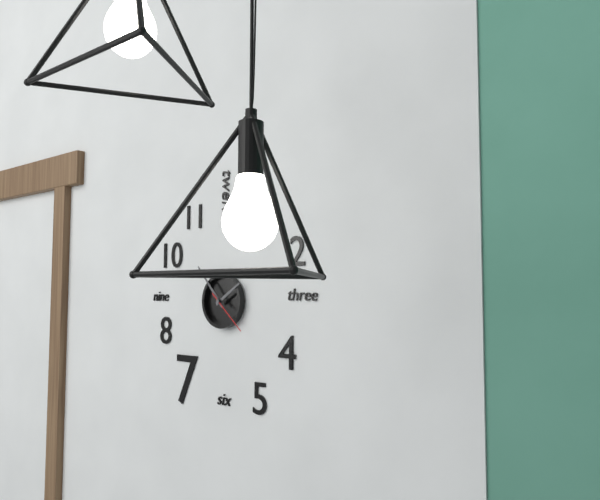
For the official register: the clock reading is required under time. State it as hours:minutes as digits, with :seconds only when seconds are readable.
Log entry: 1:53
